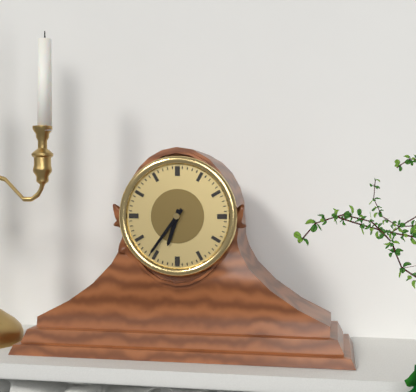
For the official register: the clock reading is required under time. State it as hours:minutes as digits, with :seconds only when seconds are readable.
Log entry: 6:36
